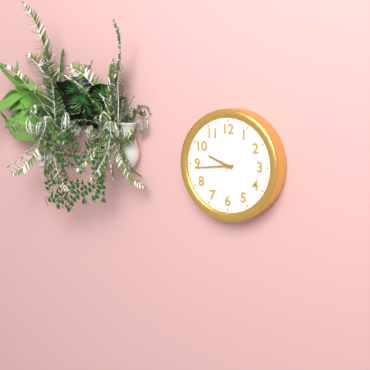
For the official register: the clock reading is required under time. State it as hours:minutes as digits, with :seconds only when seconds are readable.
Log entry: 9:44
